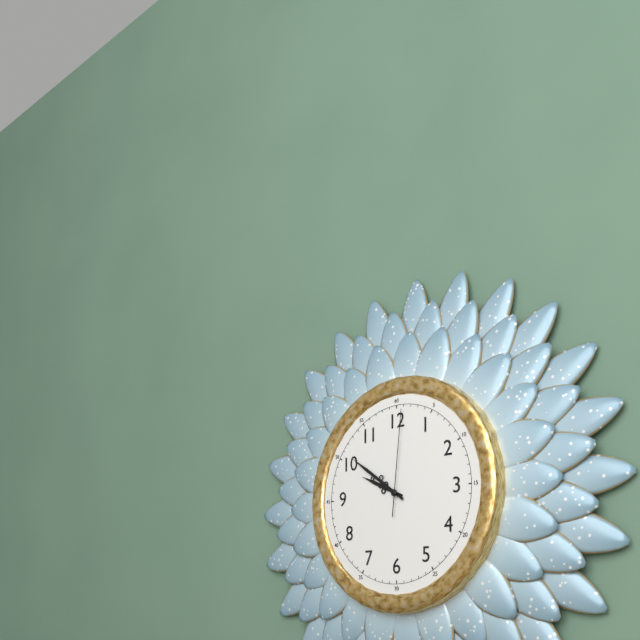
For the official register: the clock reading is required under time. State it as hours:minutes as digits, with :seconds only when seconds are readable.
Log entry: 9:51:01
